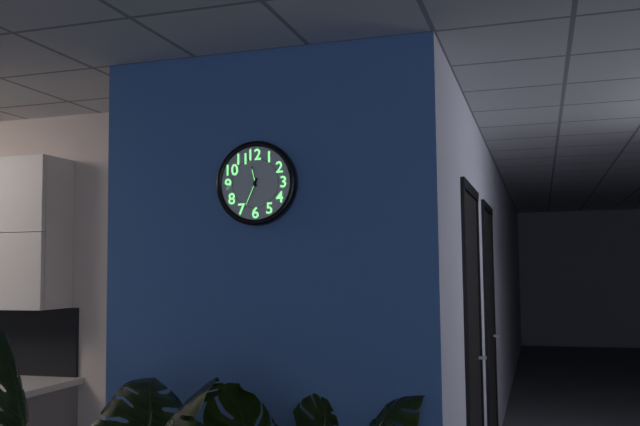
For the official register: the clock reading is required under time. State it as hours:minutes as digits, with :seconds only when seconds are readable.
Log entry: 11:34
